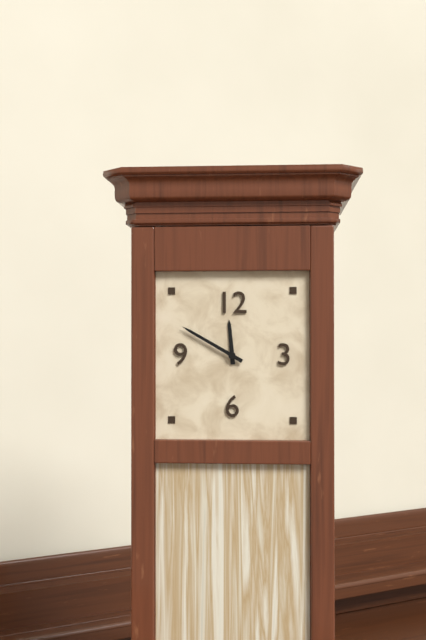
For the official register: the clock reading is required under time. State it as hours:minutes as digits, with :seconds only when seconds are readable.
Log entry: 11:50
